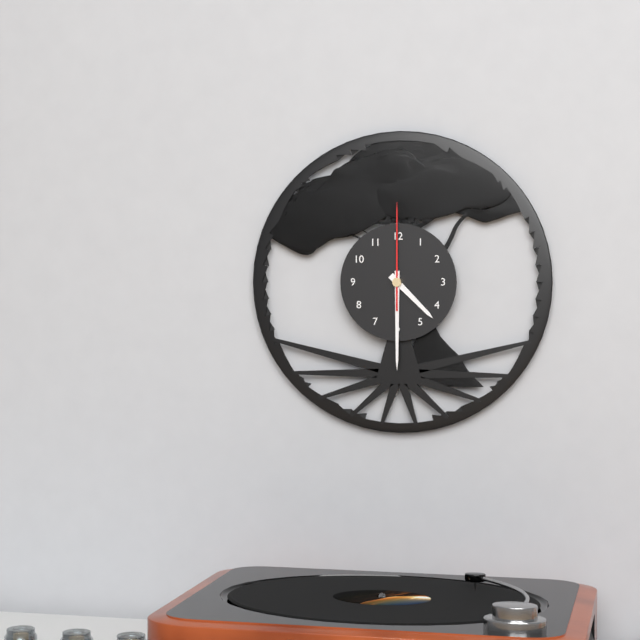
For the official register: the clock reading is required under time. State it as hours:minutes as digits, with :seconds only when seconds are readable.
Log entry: 4:30:00
